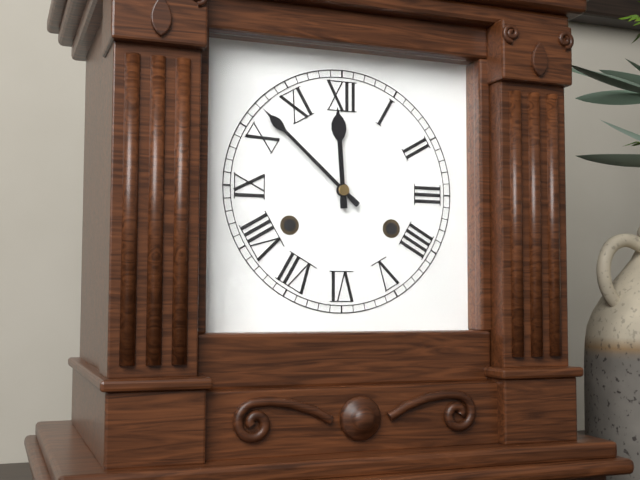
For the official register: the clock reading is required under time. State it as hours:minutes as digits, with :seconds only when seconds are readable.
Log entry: 11:52
